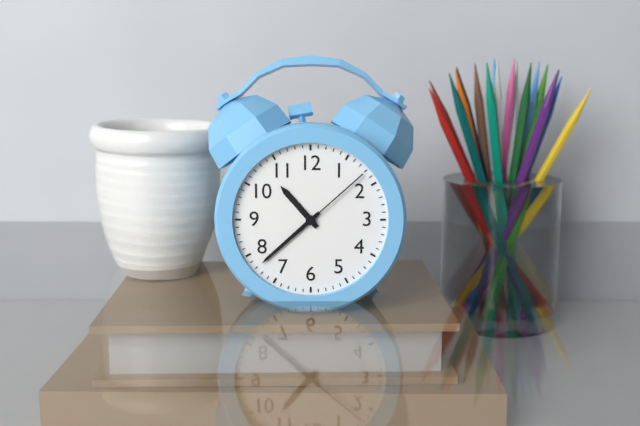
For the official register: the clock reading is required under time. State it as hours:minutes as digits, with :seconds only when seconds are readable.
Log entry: 10:38:08
